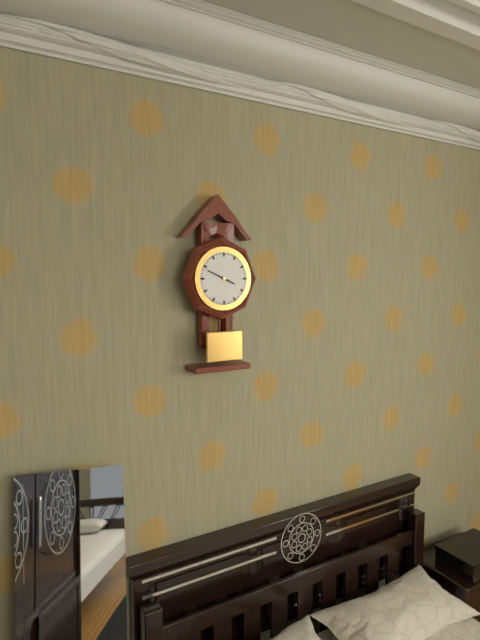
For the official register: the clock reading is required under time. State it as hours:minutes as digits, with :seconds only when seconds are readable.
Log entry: 3:49
